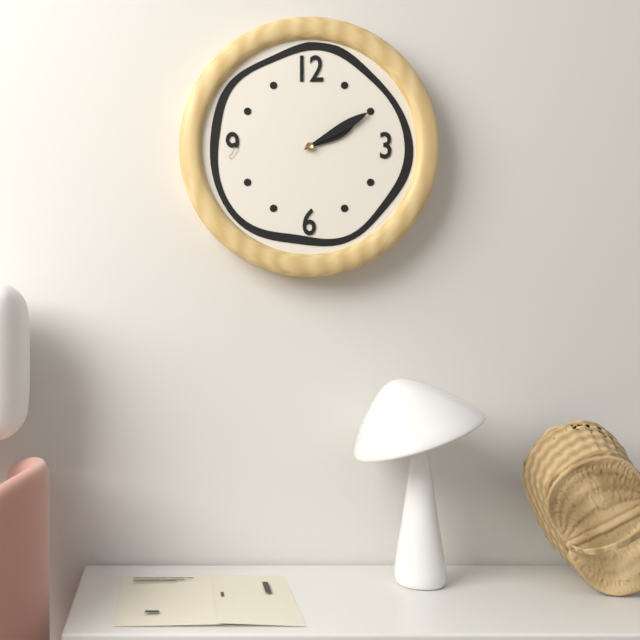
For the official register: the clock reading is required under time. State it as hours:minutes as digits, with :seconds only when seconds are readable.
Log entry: 2:10
